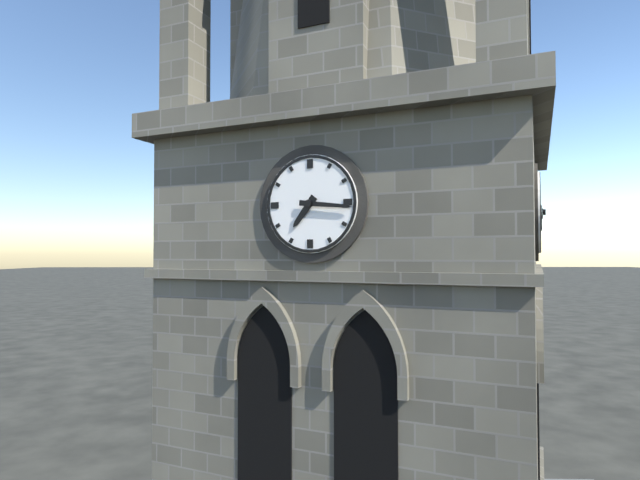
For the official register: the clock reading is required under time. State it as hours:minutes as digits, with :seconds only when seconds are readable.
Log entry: 7:16
